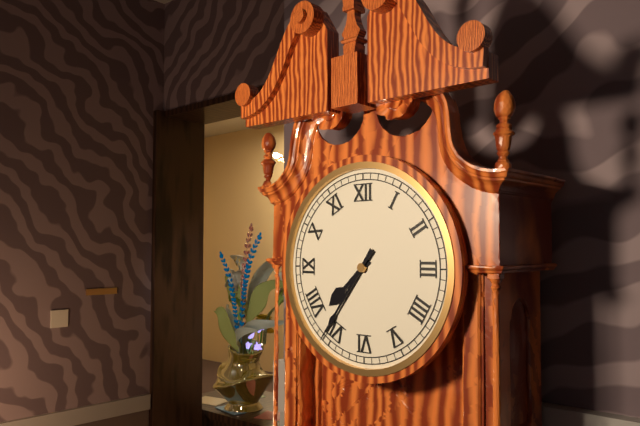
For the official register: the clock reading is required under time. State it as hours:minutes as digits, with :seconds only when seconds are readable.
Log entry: 7:36
